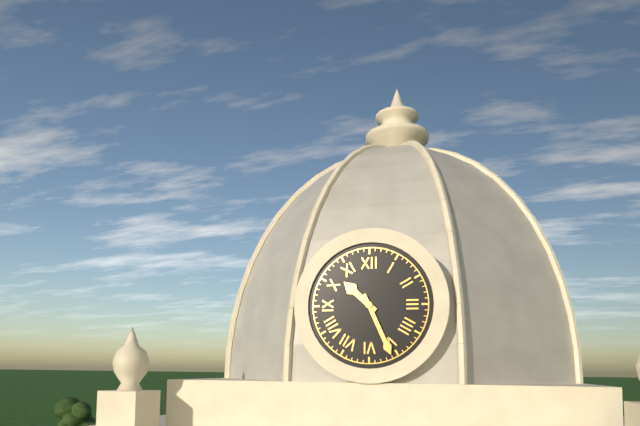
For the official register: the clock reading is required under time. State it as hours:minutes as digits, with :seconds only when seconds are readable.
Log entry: 10:26
